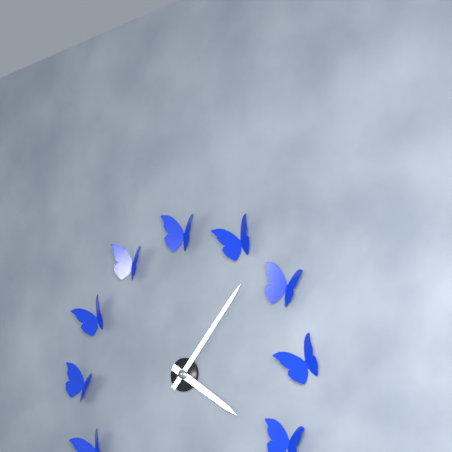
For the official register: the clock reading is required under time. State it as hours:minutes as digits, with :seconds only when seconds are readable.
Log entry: 4:07
